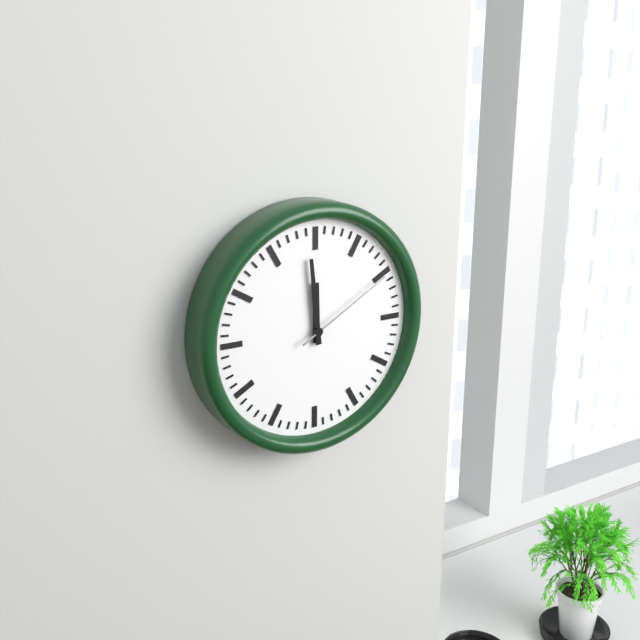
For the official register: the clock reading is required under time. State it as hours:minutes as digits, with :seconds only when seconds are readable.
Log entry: 11:59:10
